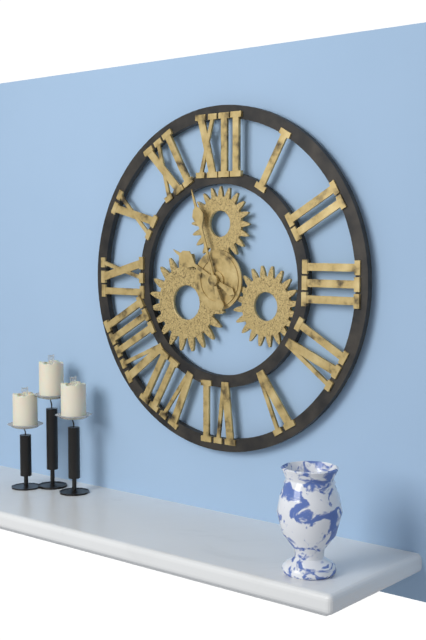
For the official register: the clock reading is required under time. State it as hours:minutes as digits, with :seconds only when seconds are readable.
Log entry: 9:57
